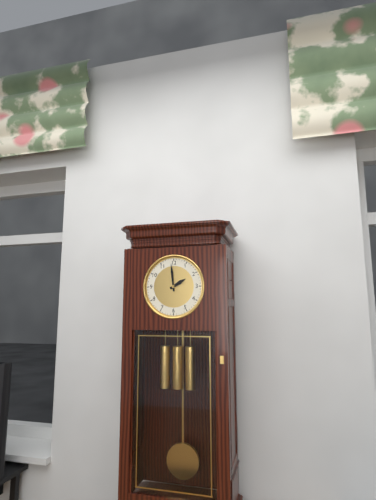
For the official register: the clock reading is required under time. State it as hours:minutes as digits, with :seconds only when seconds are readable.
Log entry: 1:59
